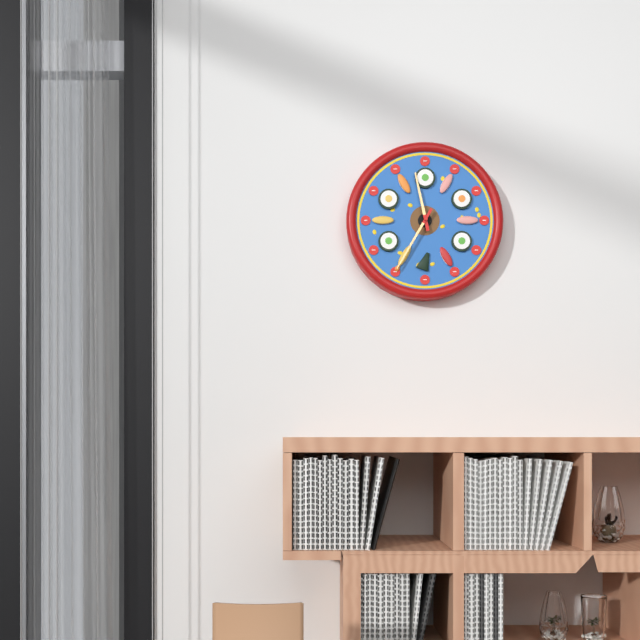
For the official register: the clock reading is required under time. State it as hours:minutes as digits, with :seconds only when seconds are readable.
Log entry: 11:35
